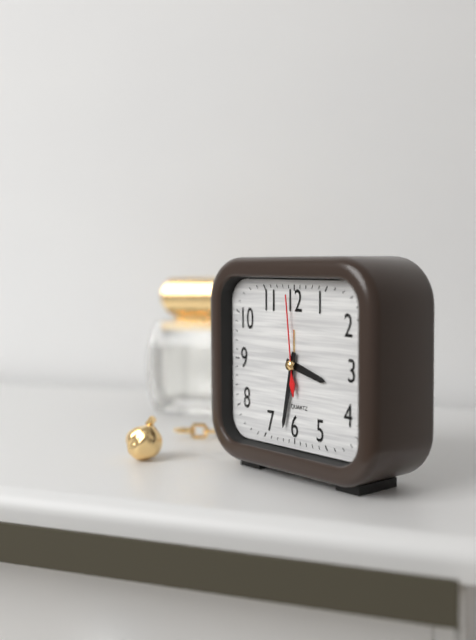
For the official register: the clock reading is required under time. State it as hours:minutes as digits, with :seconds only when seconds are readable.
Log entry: 3:32:59
